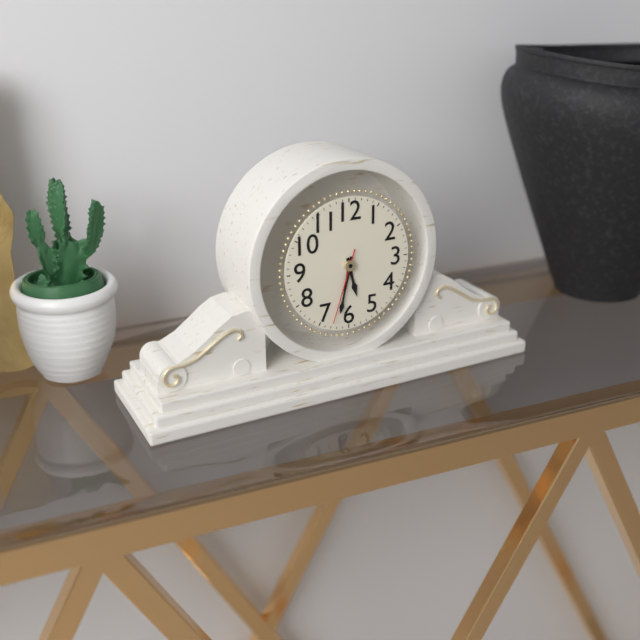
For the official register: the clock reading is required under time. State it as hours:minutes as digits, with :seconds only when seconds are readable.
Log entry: 5:32:33
